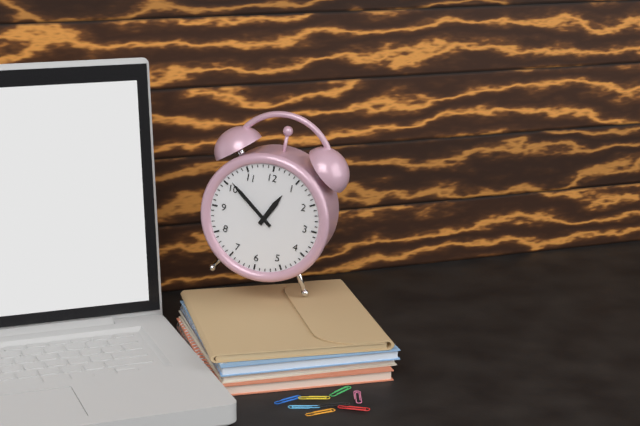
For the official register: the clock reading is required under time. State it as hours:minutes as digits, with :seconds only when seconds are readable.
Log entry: 12:51
